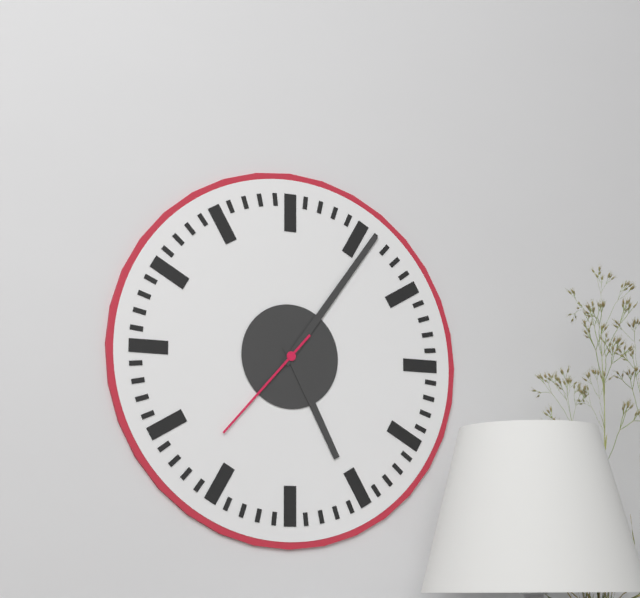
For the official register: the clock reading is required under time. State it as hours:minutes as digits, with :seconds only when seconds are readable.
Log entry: 5:06:37
